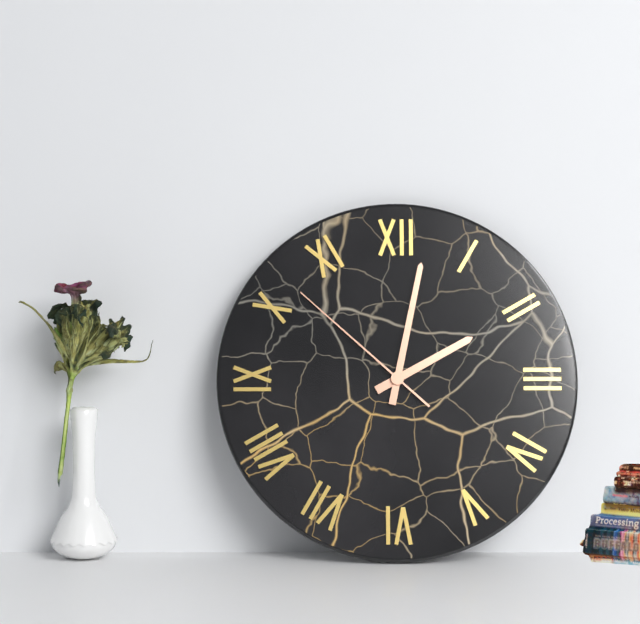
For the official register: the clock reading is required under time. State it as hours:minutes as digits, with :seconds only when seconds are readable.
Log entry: 2:02:52
